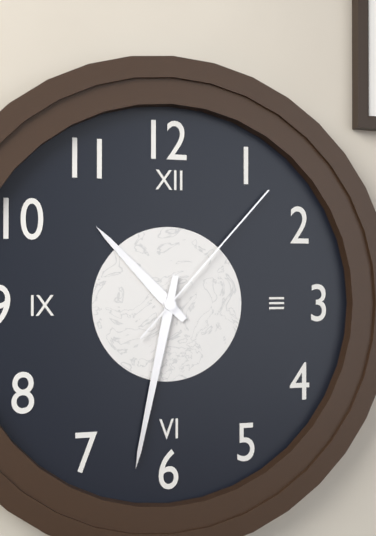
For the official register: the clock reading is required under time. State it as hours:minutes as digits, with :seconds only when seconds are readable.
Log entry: 10:32:07
